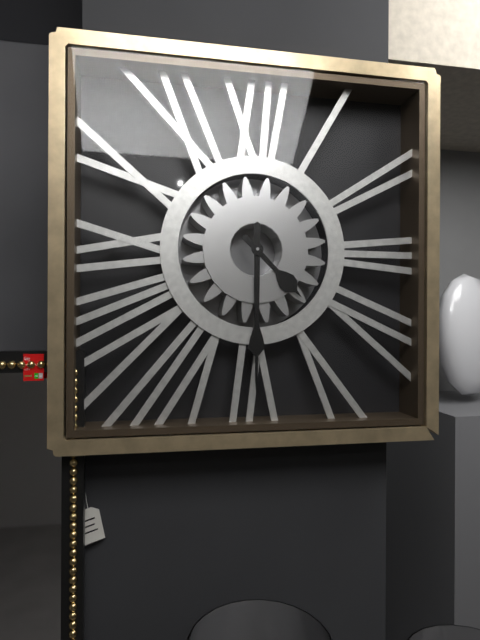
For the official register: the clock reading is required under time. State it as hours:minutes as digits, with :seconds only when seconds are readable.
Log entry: 4:30
